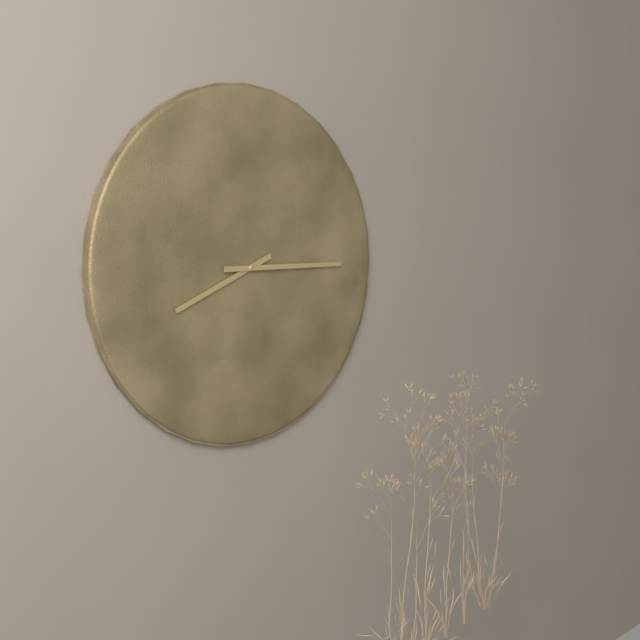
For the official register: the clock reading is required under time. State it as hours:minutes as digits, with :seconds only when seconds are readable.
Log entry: 8:15
